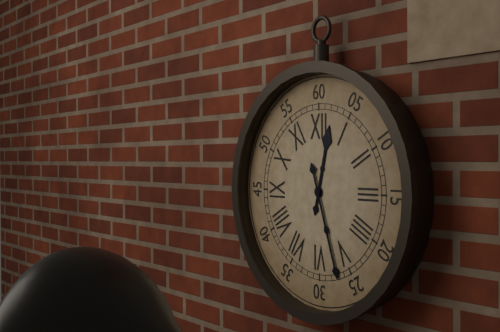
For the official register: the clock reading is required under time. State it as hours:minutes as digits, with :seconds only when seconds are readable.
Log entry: 12:27
